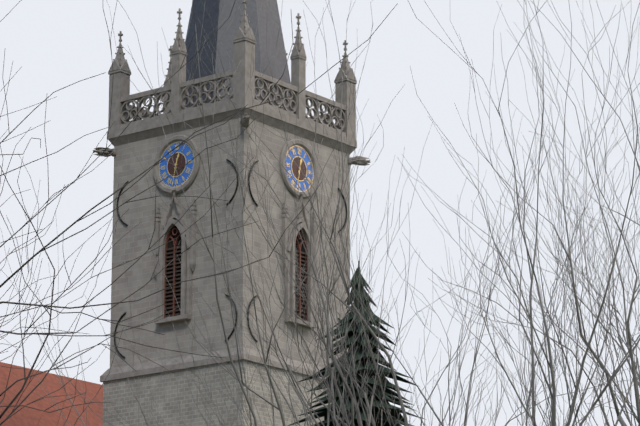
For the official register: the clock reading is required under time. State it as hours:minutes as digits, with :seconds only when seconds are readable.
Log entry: 12:32
